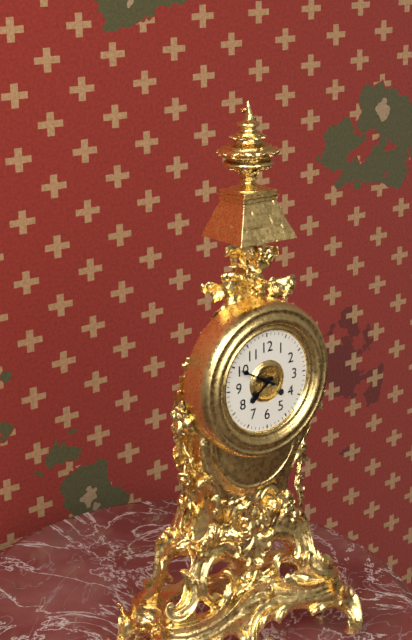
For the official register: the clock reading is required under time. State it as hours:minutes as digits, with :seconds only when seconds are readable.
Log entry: 7:50
